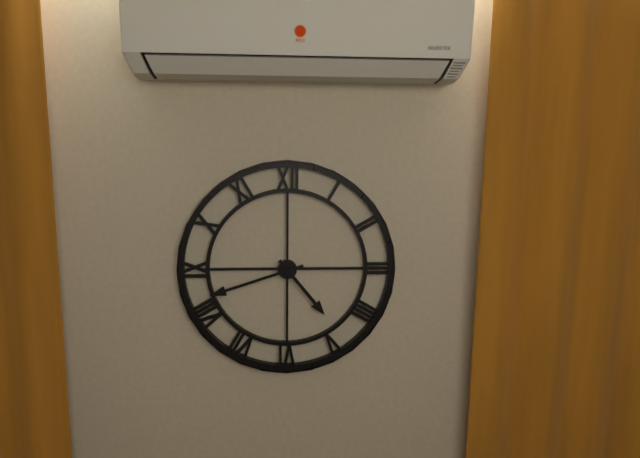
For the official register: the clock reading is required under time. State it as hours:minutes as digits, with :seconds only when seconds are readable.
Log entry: 4:42
